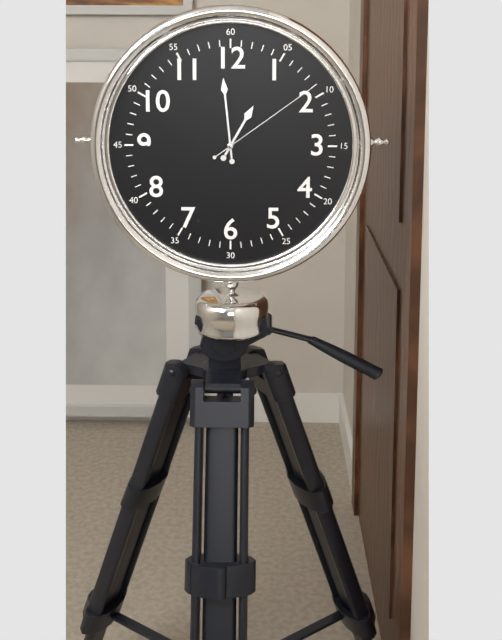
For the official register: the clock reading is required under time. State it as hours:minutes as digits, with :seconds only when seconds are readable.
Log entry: 12:59:09
